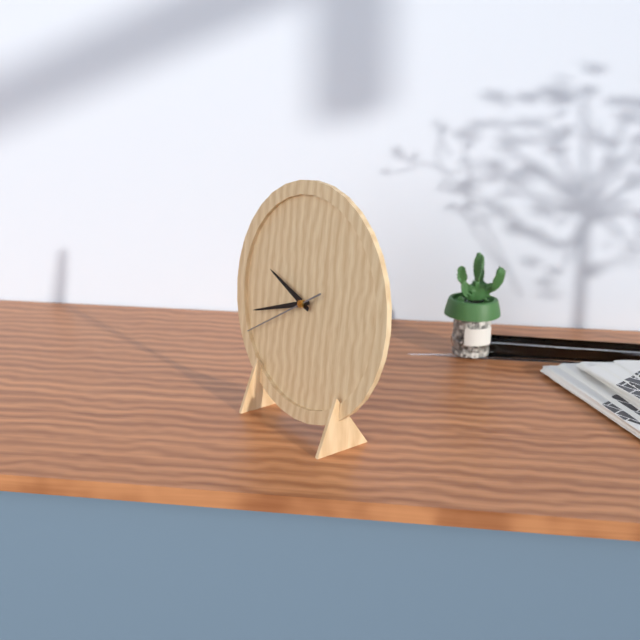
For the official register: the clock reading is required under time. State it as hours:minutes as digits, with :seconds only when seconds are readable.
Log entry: 9:42:40
